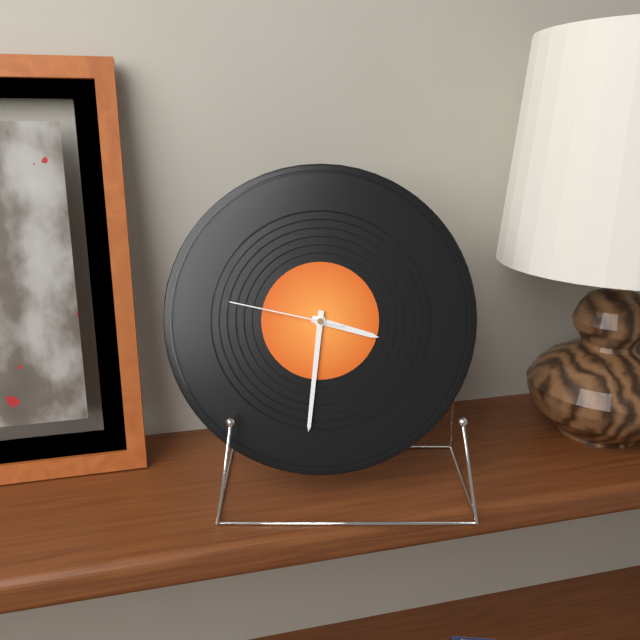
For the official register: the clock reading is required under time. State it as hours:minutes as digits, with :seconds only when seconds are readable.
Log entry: 3:31:47
